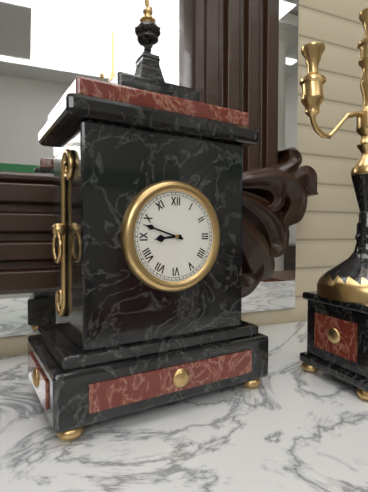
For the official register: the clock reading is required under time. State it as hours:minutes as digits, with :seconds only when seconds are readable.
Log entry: 8:48
